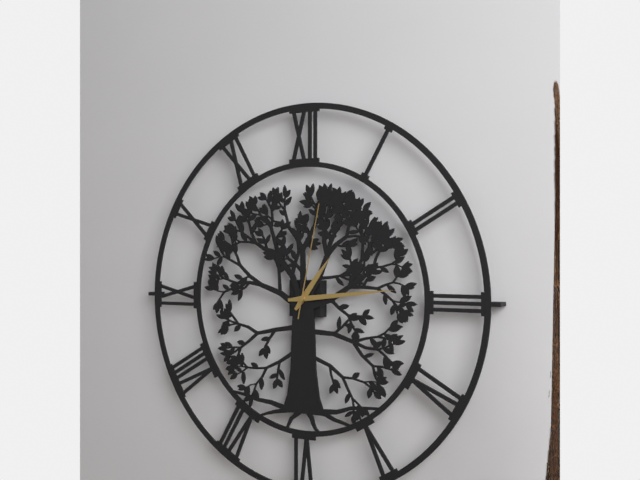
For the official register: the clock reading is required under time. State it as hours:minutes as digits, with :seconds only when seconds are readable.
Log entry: 1:14:02
